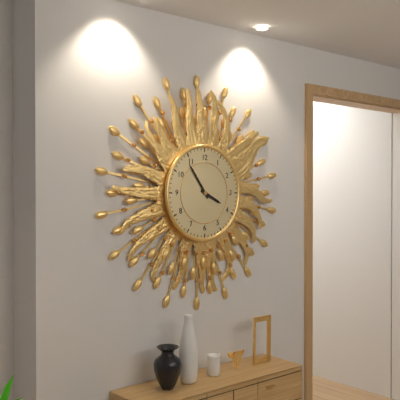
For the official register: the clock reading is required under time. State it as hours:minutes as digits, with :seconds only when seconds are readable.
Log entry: 3:54
